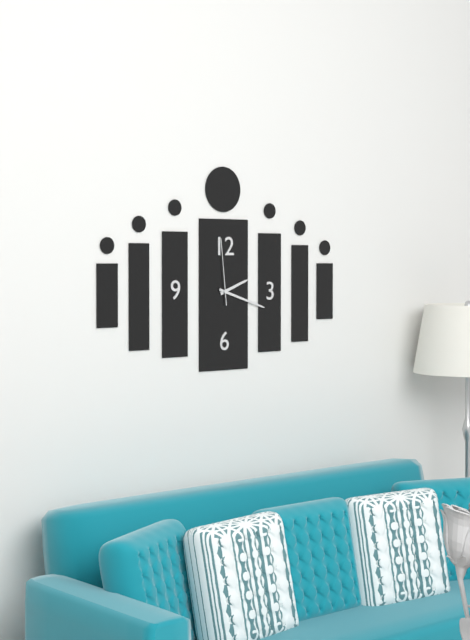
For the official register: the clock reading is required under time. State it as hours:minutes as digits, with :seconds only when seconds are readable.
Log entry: 2:18:59
